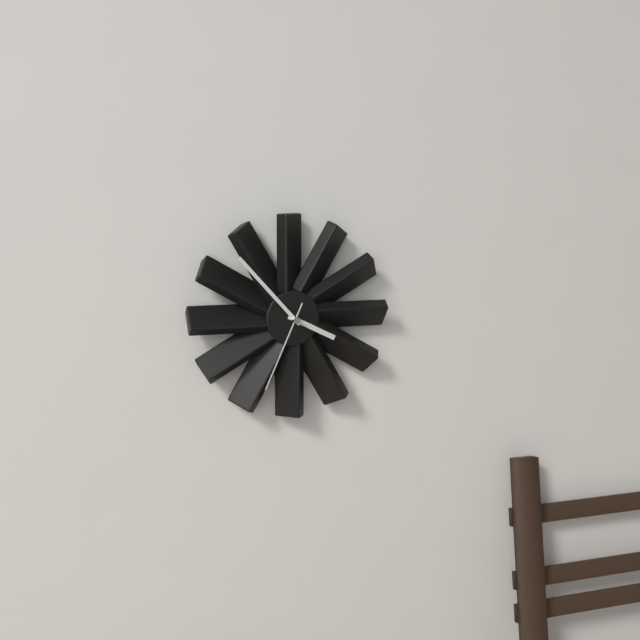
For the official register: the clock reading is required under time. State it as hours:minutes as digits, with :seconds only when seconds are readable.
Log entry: 3:53:34
